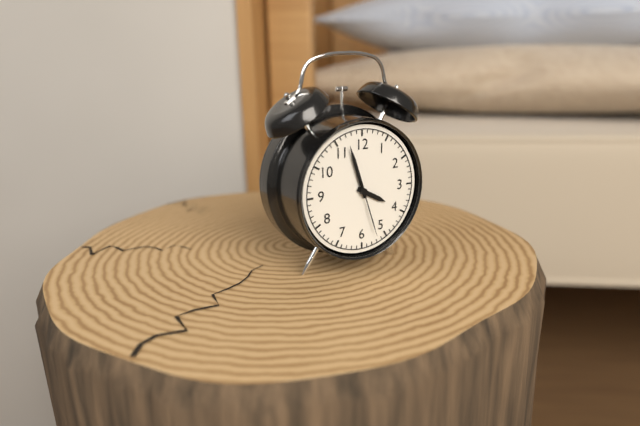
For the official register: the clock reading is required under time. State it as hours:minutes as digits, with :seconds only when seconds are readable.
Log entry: 3:57:27
